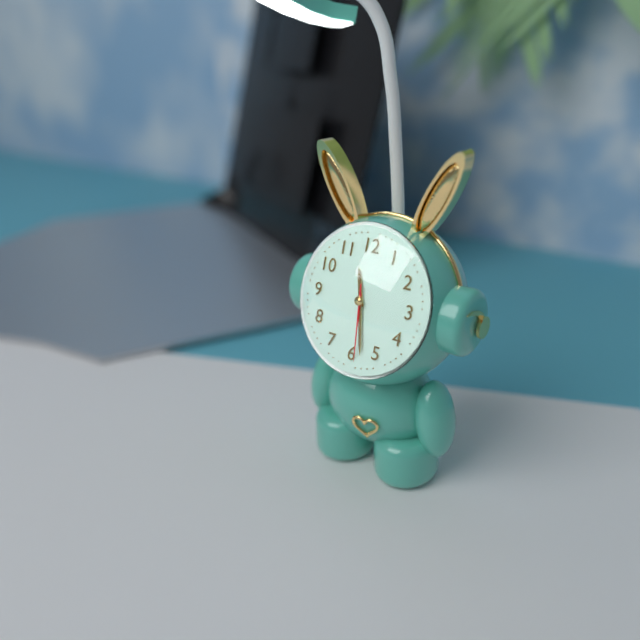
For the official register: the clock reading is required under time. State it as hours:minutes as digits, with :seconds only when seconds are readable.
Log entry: 11:28:29
